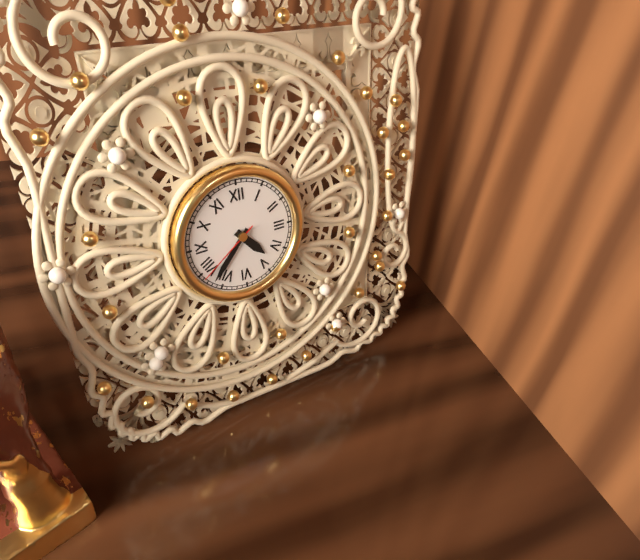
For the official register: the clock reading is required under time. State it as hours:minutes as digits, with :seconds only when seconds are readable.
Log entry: 4:37:39
